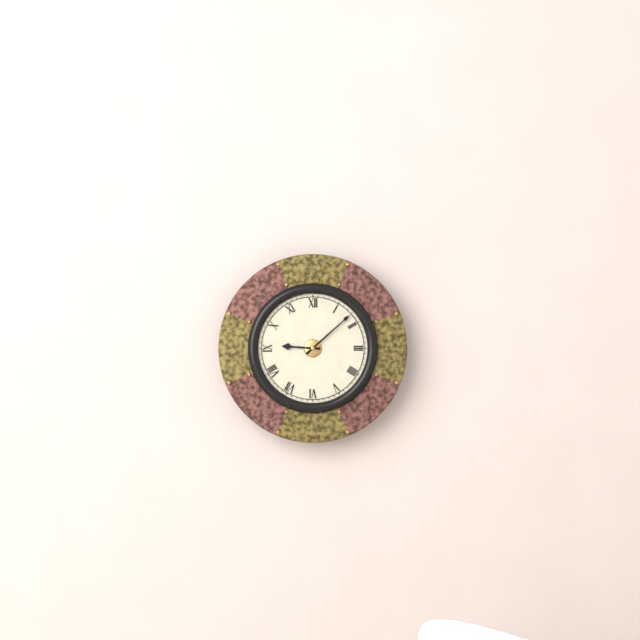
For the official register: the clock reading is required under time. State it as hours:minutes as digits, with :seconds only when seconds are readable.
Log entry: 9:08
